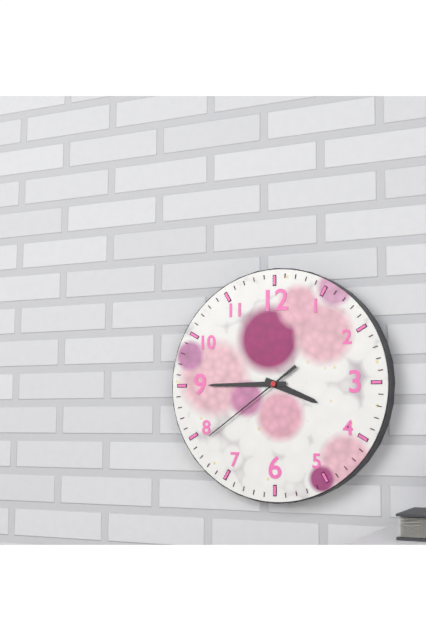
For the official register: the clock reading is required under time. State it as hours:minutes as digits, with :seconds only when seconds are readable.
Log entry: 3:45:39
